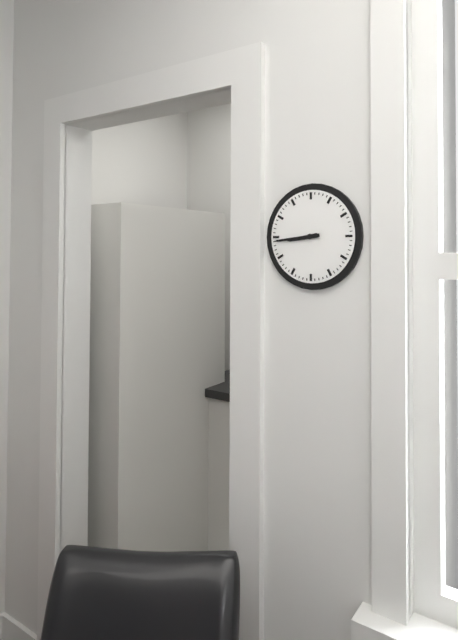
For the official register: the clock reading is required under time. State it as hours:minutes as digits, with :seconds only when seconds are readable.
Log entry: 8:44
